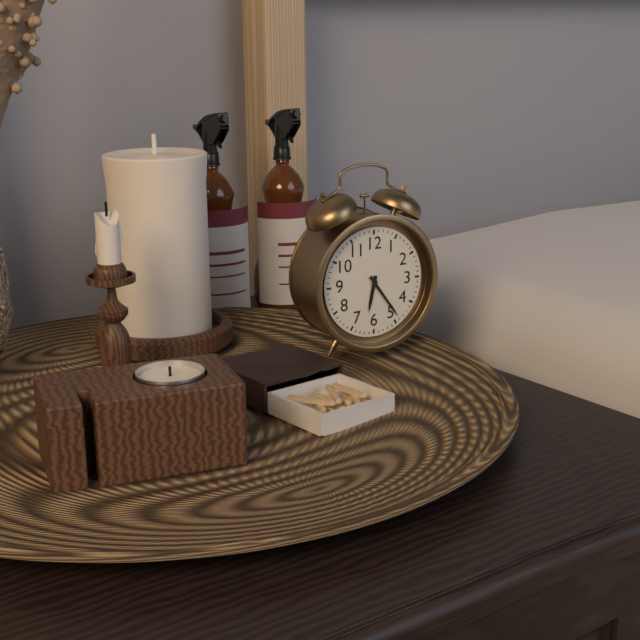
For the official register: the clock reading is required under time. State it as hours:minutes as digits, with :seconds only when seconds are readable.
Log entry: 6:24
